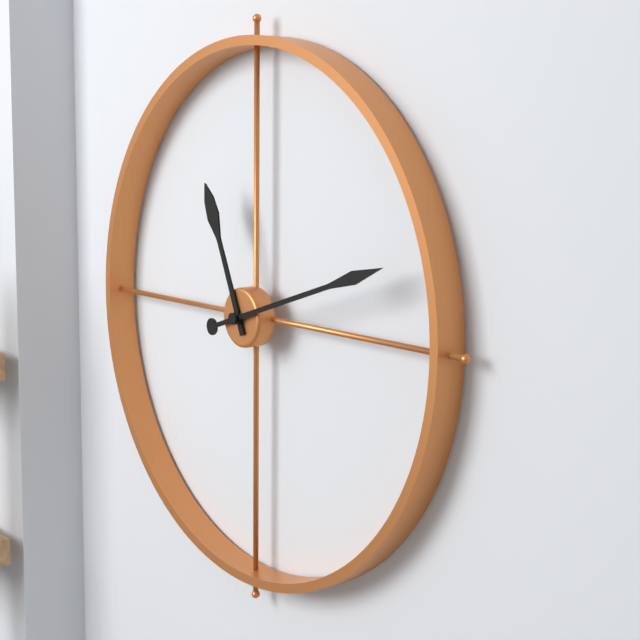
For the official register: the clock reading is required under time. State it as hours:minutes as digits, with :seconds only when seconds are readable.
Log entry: 11:12
